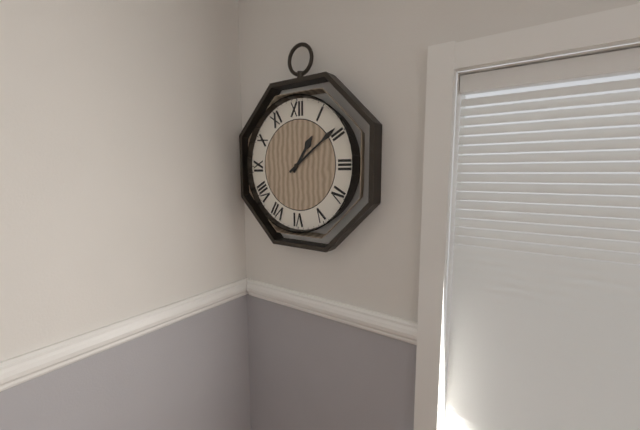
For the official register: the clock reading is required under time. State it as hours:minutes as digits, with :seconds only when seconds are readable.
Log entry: 1:09
